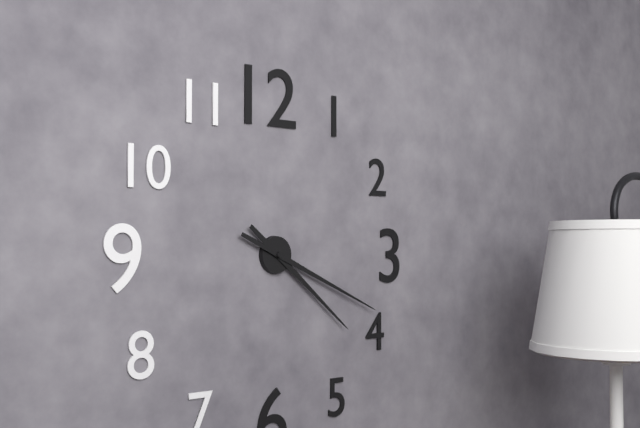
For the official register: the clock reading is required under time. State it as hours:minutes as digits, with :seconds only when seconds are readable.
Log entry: 4:19
